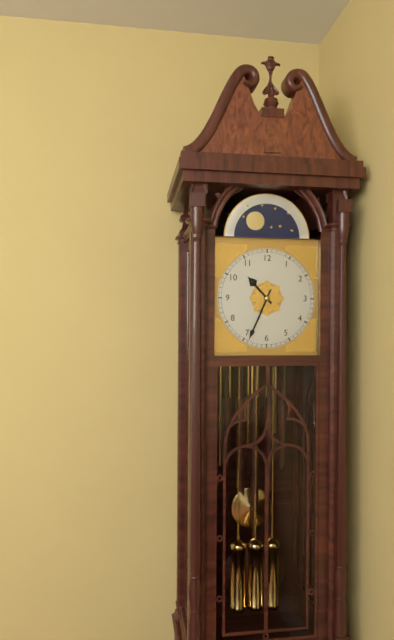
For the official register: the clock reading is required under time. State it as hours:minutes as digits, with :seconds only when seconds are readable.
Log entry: 10:34
